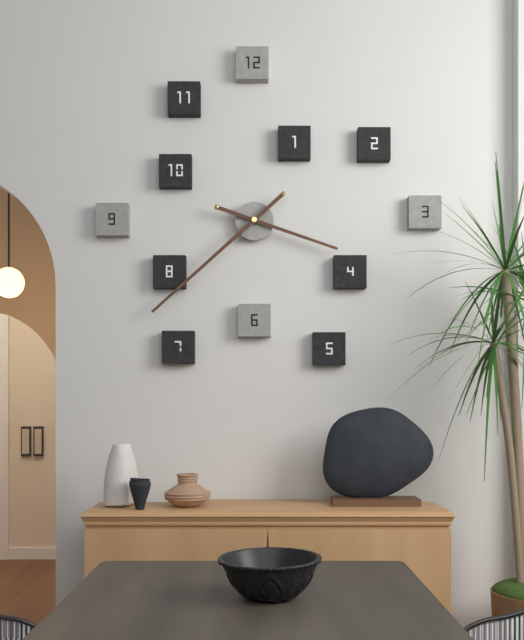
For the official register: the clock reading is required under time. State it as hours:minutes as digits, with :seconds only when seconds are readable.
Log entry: 3:38
